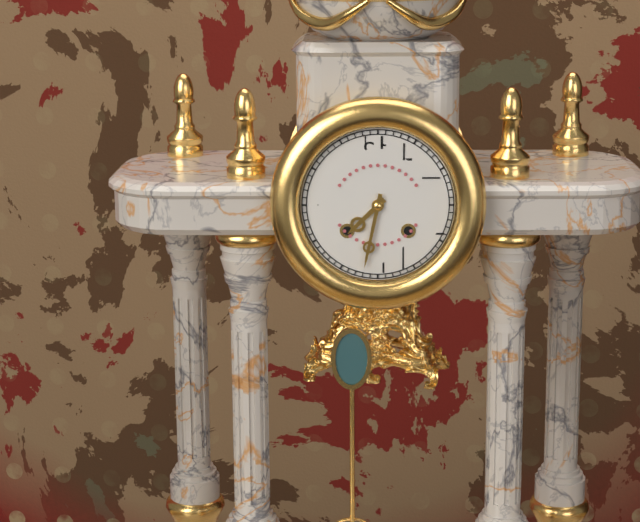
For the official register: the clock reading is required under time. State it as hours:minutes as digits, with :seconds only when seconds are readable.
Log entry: 7:32
